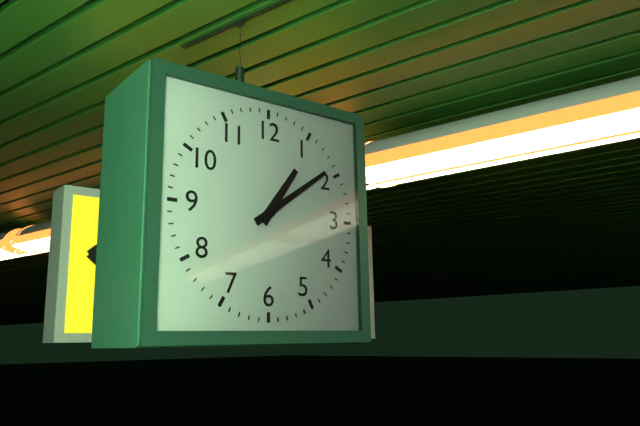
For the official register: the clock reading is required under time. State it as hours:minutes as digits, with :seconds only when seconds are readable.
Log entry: 1:09
